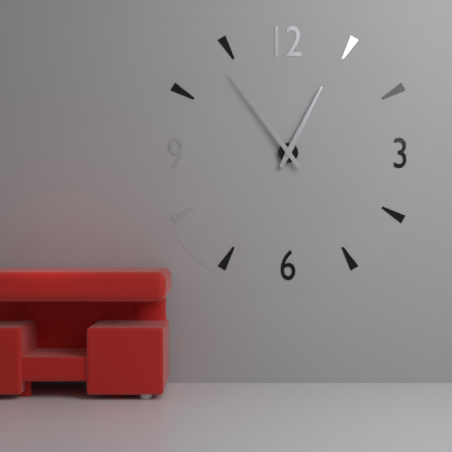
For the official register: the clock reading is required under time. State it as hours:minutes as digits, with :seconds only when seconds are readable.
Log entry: 12:54
